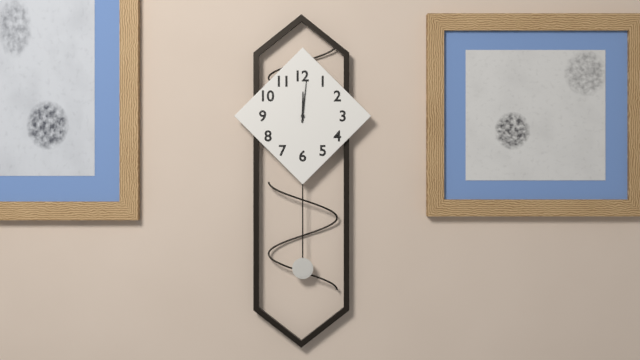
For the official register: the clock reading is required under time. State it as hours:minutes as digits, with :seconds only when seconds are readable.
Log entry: 12:01
